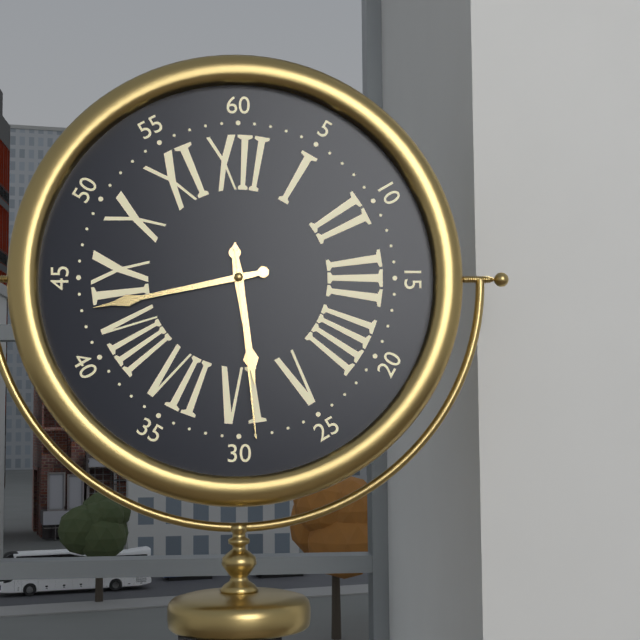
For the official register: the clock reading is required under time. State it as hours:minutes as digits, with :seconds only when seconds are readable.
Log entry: 5:43:29
